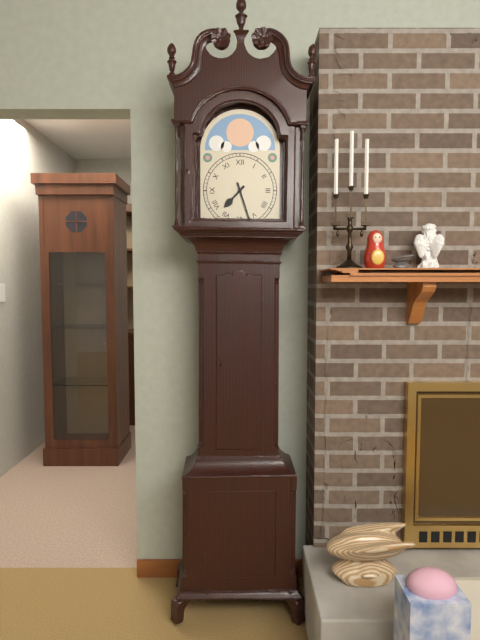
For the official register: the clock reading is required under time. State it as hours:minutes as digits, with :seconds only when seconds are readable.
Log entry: 7:27
